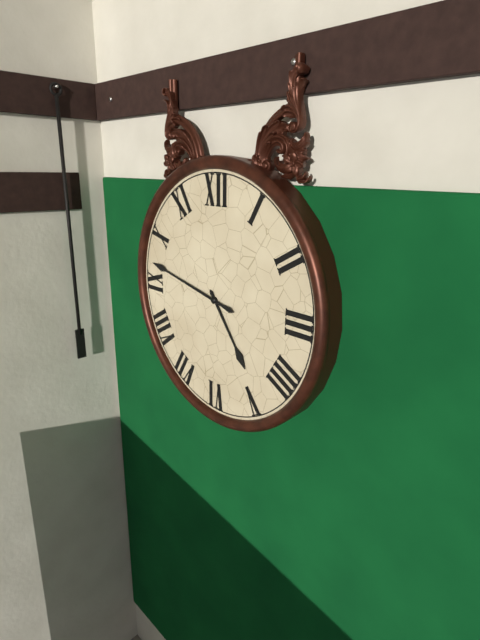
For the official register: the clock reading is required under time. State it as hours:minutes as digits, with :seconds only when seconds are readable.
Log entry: 4:47
